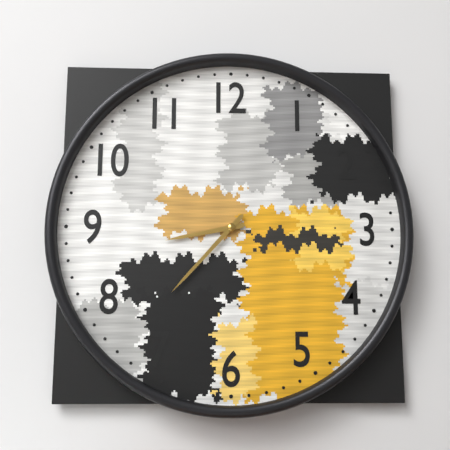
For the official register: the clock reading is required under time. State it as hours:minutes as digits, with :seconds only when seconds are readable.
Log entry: 8:37
